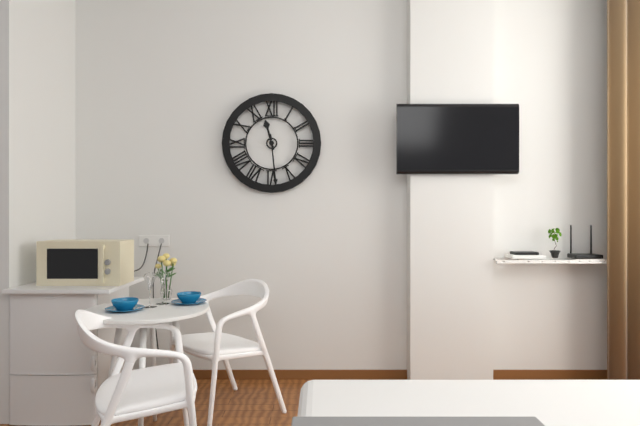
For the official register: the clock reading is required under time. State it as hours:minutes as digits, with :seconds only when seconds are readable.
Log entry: 11:29
